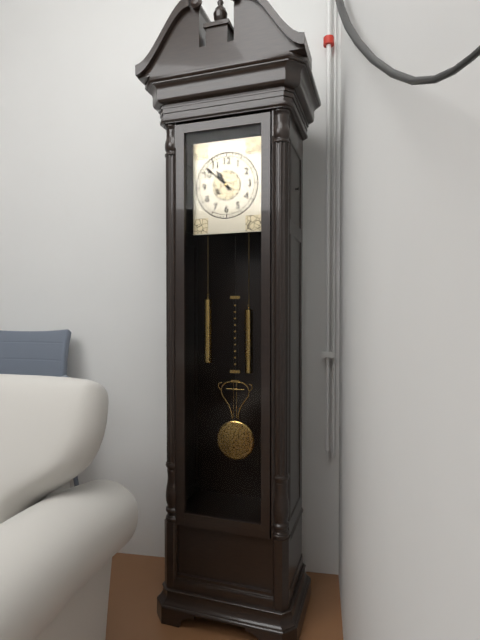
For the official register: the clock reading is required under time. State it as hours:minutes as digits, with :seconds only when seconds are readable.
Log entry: 10:52
